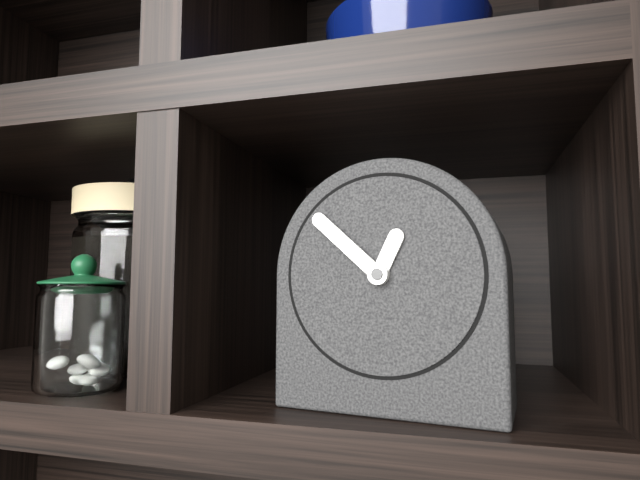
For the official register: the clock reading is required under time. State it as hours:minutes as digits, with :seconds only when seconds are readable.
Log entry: 12:52
